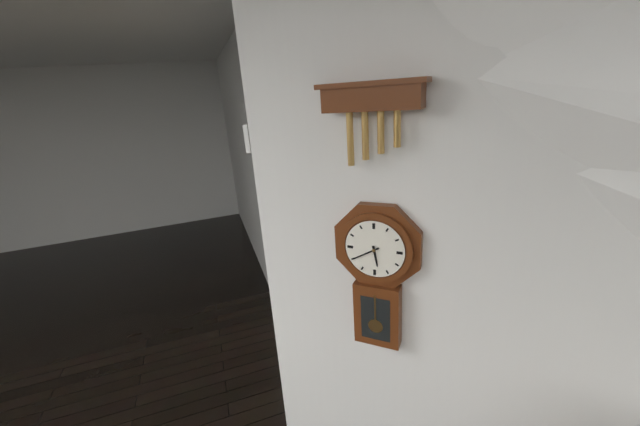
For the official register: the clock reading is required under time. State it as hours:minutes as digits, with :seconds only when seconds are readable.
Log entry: 5:40
